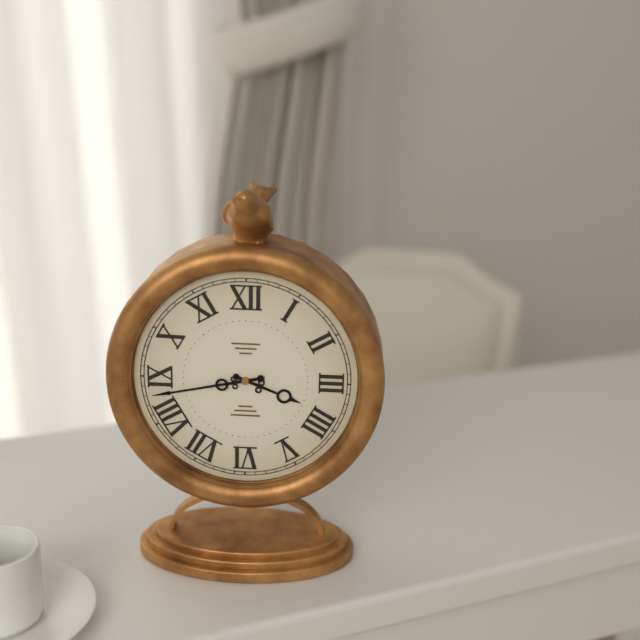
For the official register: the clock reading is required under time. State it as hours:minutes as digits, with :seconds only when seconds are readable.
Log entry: 3:43
